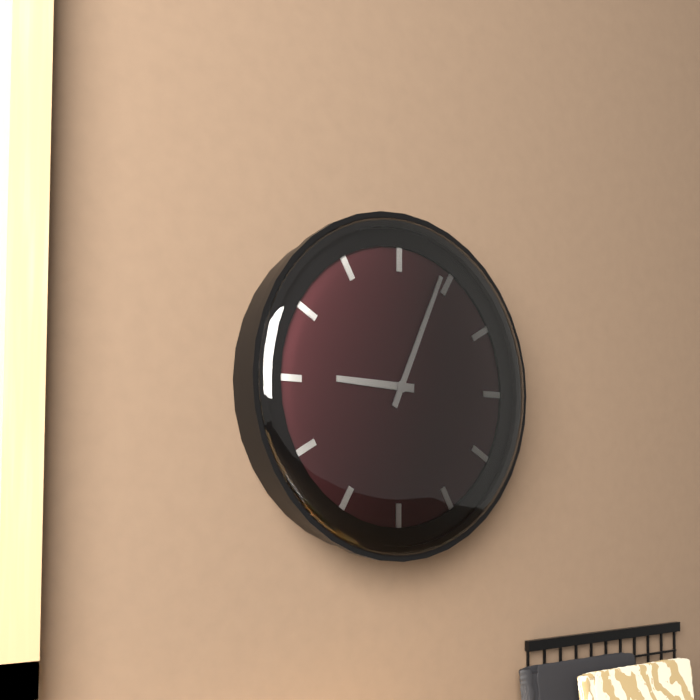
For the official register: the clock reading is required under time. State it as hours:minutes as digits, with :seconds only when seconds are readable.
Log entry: 9:04
